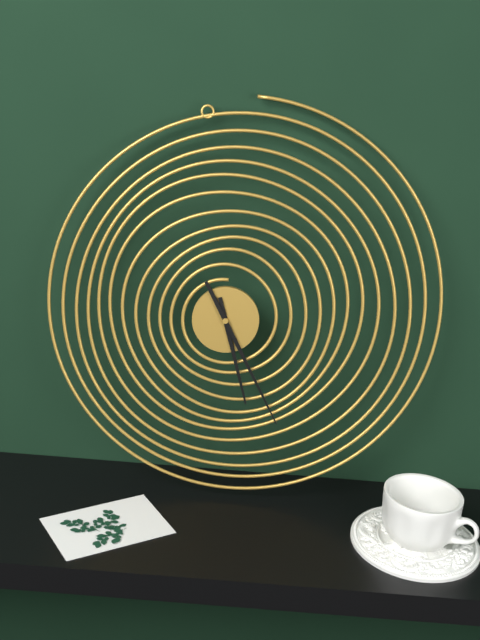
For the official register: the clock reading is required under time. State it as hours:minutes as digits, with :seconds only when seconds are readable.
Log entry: 5:25
